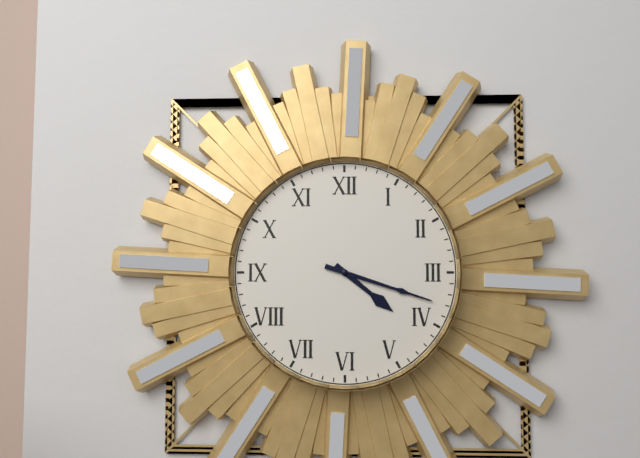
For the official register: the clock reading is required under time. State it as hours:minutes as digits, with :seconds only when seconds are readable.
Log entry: 4:18
